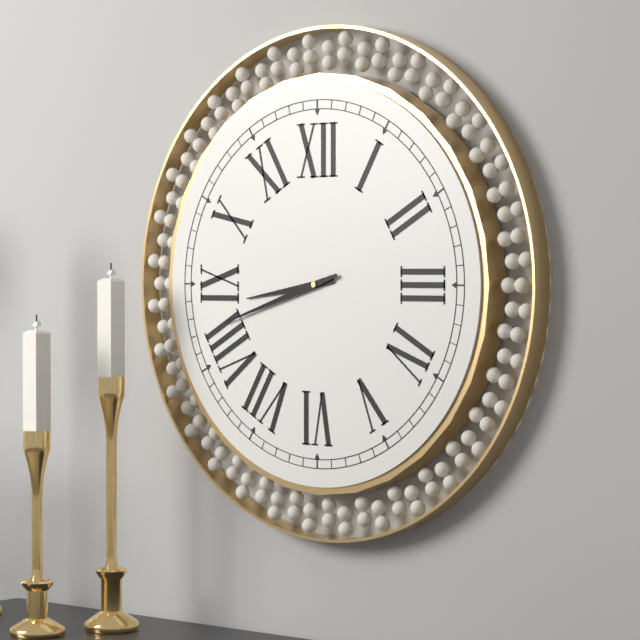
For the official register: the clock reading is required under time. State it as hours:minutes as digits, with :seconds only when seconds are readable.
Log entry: 8:42
